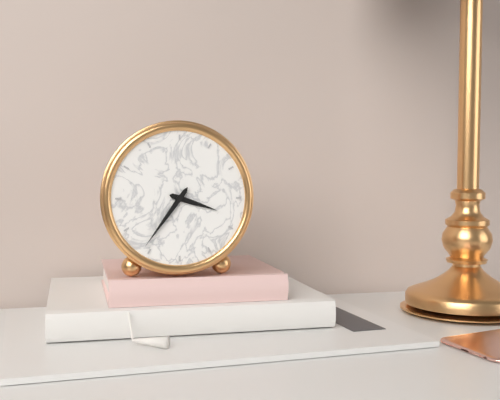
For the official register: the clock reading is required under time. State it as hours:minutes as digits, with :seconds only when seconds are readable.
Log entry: 3:36
